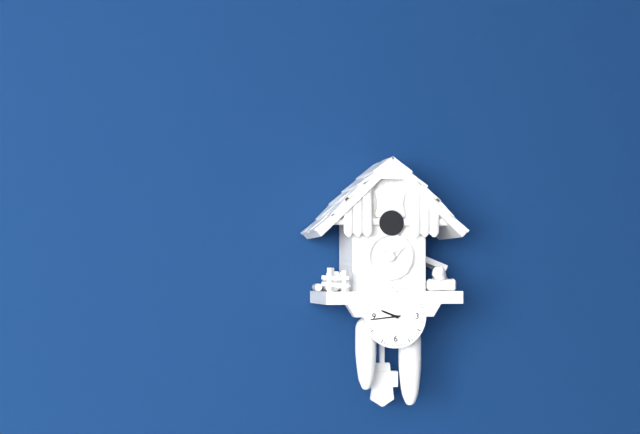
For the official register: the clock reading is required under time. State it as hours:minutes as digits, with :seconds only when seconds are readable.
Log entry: 9:44
